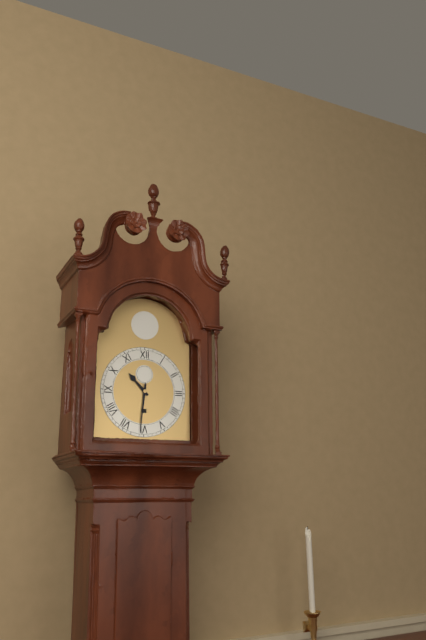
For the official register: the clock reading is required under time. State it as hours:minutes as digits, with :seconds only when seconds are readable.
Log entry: 10:31
